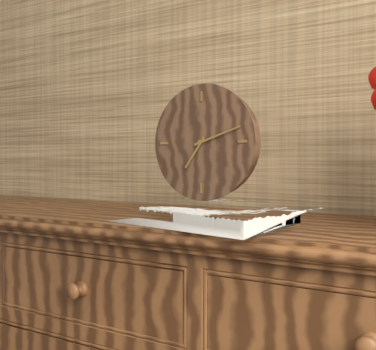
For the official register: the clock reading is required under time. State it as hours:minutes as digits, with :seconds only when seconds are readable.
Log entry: 7:12
